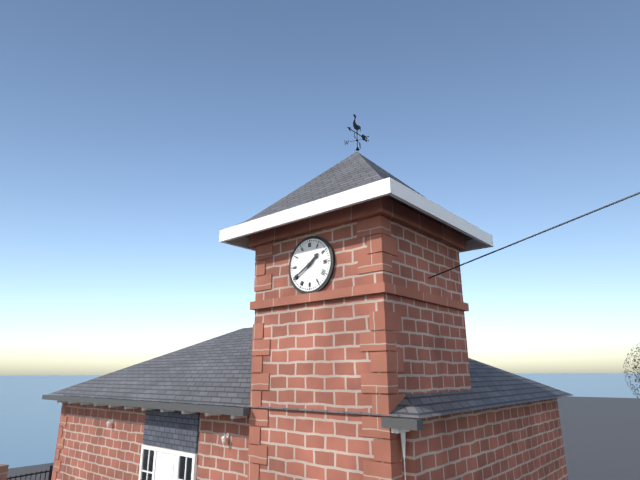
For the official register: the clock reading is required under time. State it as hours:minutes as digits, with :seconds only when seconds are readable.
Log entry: 1:40
